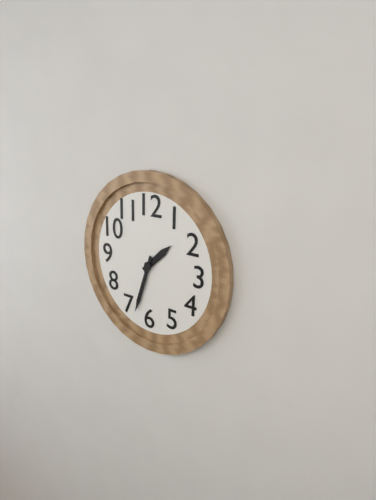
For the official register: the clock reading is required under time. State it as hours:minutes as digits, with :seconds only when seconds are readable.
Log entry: 1:33
